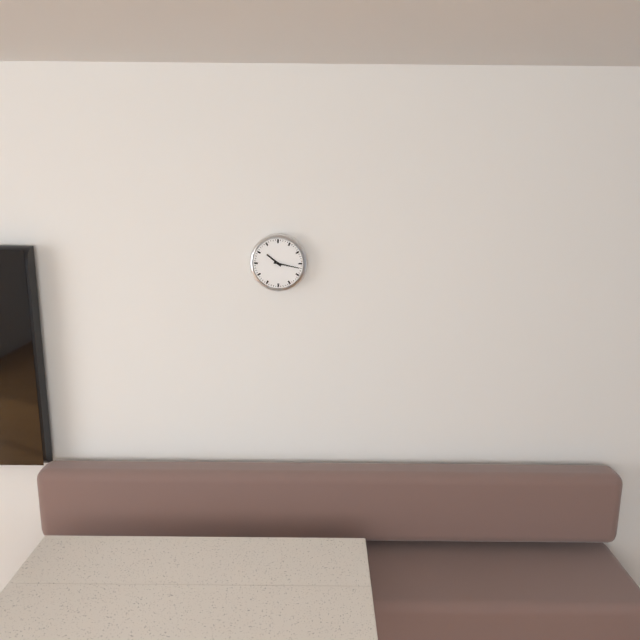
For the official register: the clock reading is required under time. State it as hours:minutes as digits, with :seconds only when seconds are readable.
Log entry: 10:17
